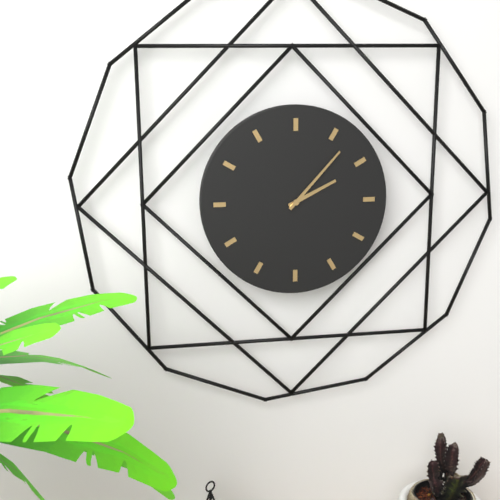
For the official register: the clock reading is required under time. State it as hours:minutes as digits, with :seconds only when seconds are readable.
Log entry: 2:07
